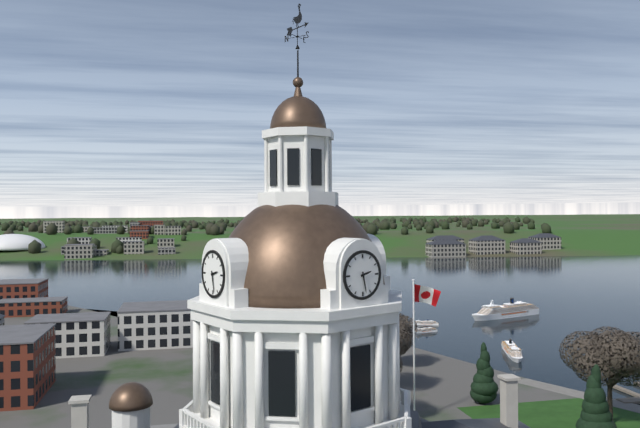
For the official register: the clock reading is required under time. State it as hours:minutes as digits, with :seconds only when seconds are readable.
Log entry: 2:28
